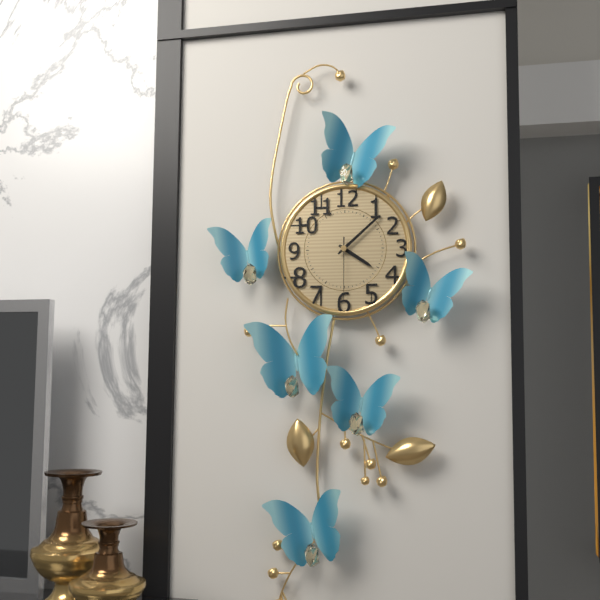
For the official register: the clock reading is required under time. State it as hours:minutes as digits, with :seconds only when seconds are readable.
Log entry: 4:08:30
